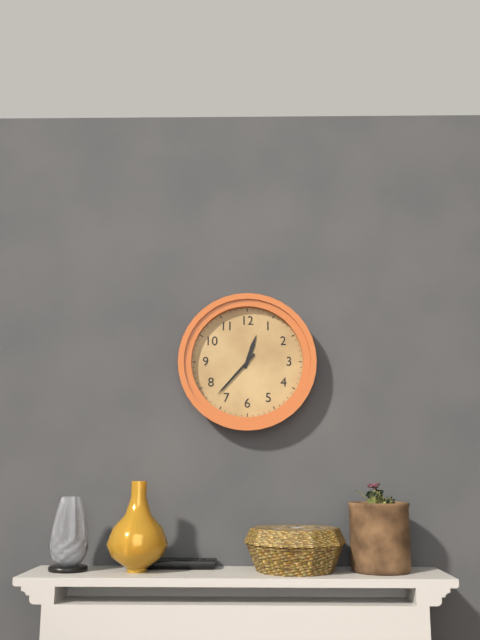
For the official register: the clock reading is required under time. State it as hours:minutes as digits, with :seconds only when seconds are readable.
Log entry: 12:37
